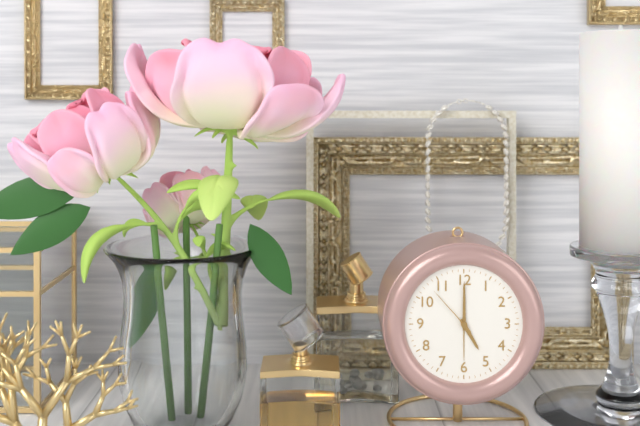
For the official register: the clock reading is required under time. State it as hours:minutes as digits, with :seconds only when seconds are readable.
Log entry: 5:00
